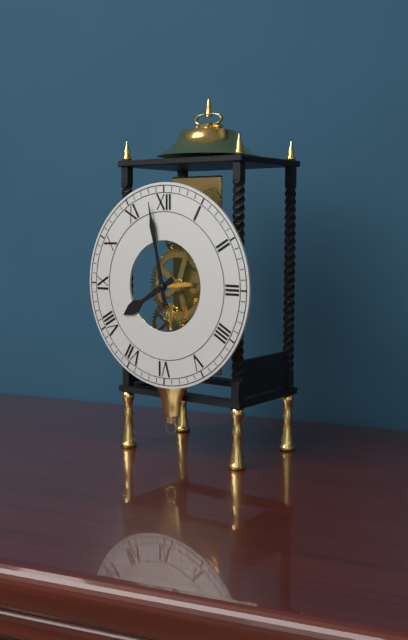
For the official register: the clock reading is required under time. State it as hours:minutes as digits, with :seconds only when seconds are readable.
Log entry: 7:58
